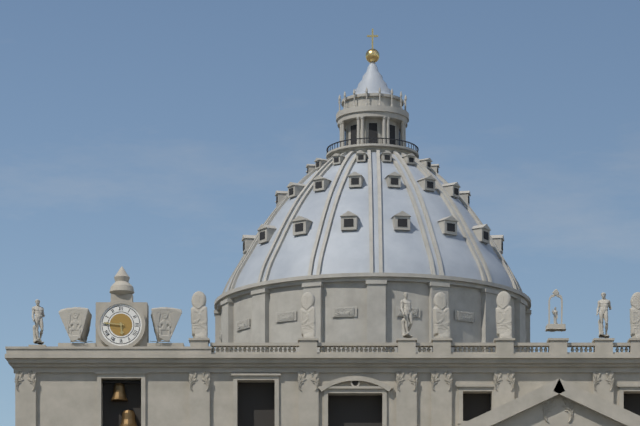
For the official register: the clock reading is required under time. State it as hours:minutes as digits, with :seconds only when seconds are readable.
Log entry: 5:46
